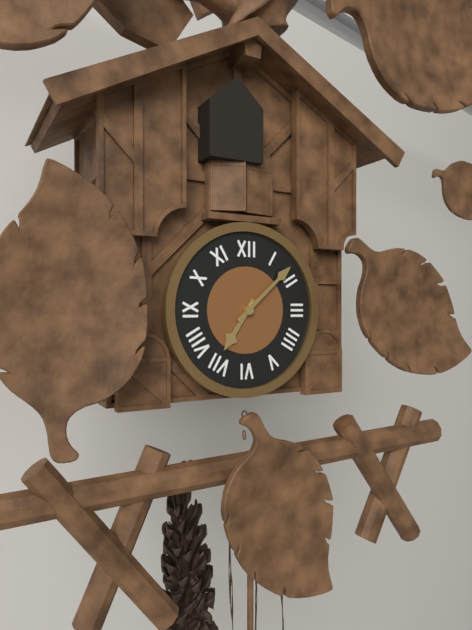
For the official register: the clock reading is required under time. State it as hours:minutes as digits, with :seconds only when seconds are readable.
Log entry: 7:08
